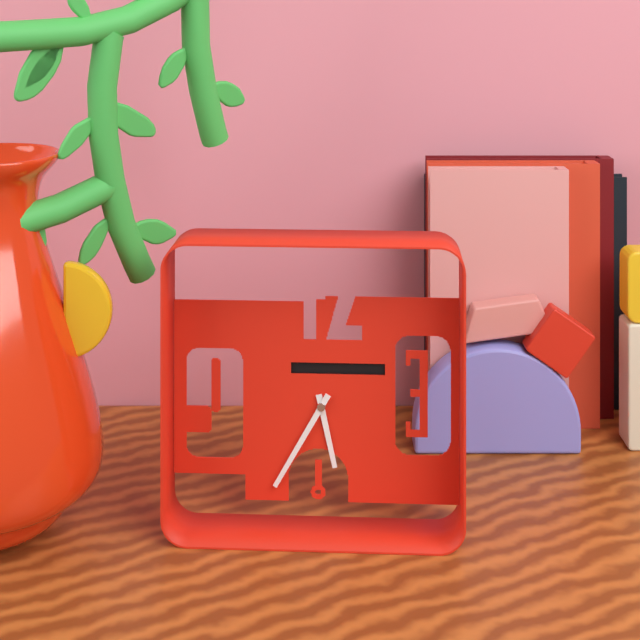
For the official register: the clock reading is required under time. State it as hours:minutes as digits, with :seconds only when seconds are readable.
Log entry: 5:35
